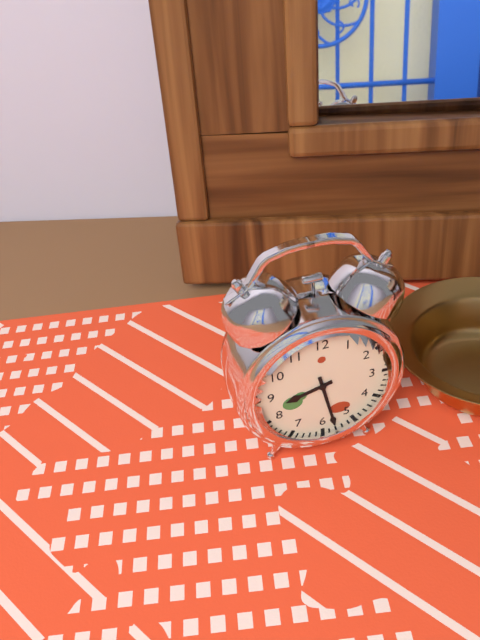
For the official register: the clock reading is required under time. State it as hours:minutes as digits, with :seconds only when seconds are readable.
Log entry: 8:28
